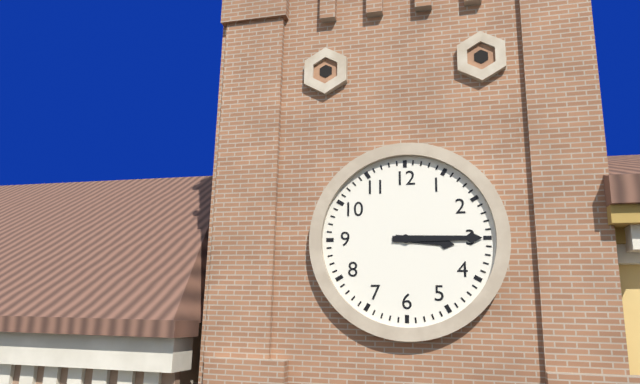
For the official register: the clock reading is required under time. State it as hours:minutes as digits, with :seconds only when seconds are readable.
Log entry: 3:15
